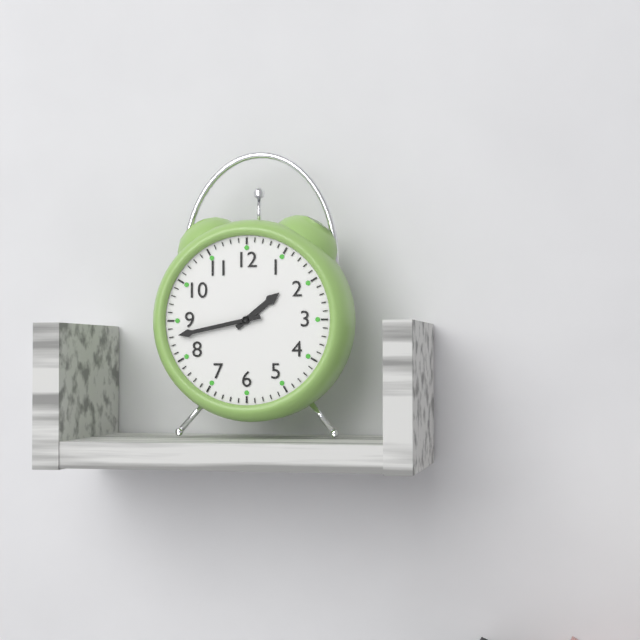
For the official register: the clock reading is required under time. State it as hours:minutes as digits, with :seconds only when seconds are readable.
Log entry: 1:43
